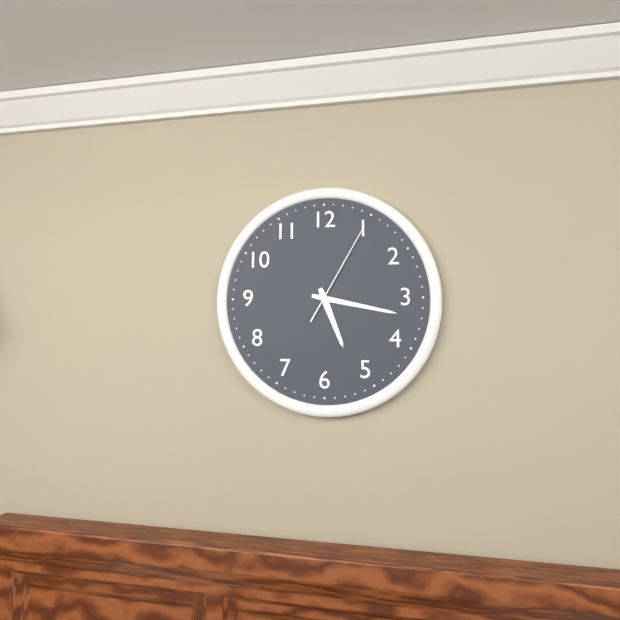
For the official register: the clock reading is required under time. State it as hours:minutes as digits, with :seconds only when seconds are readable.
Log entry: 5:17:05
